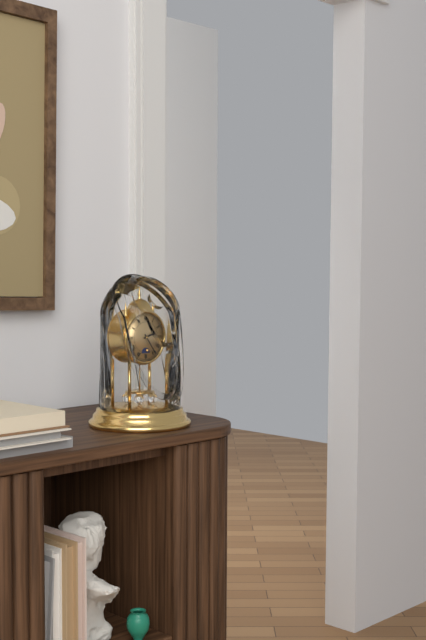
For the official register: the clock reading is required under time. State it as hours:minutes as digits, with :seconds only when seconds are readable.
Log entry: 2:24
